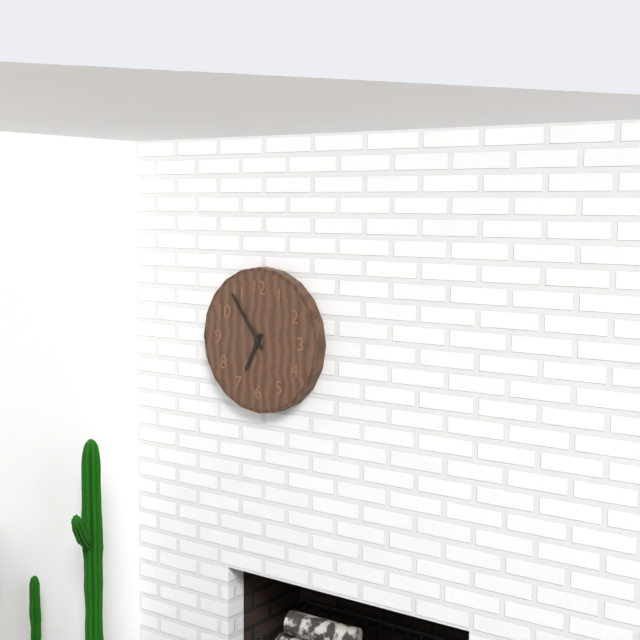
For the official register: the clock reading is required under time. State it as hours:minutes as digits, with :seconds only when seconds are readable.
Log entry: 6:54
